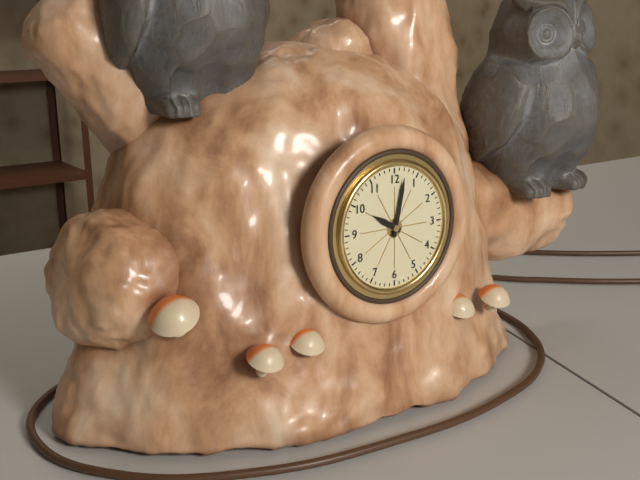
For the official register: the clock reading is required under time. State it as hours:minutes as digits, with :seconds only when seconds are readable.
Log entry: 10:02
